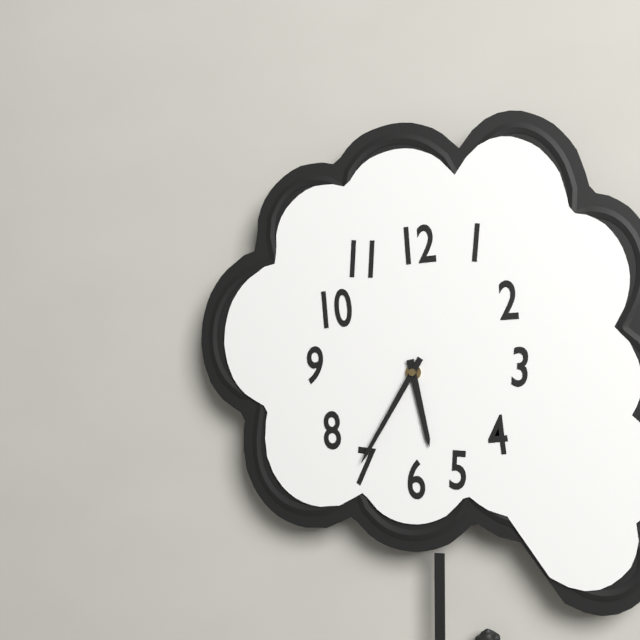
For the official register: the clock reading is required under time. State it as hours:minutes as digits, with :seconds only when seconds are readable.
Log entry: 5:35
